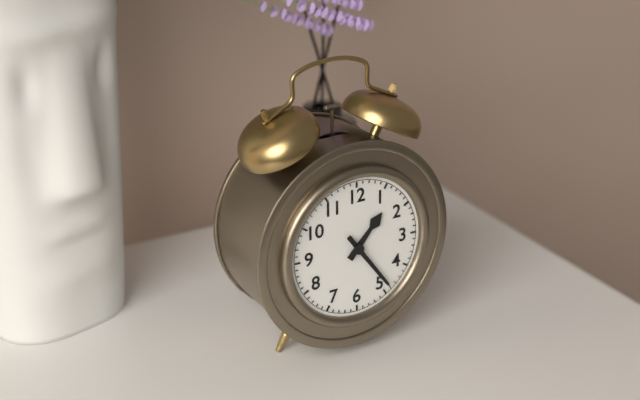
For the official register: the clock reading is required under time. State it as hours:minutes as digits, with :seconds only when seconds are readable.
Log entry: 1:24
